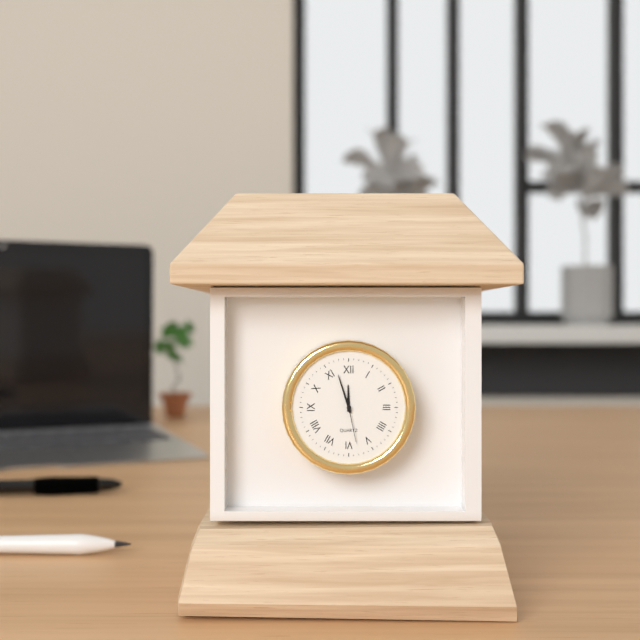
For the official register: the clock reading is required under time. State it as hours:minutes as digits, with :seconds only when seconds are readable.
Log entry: 11:57
